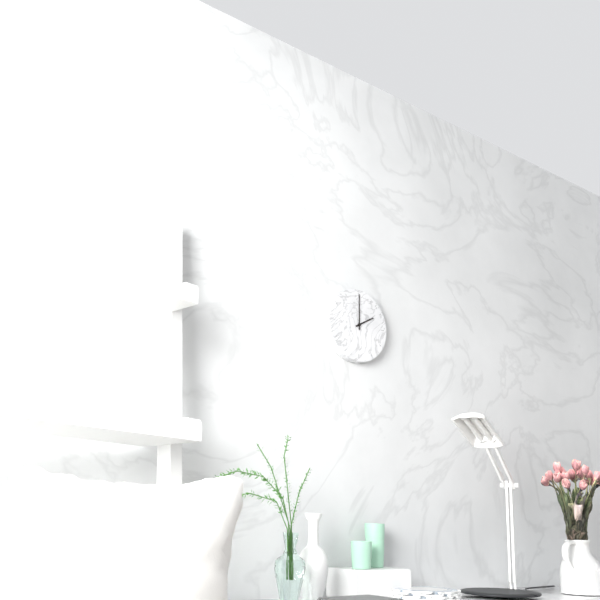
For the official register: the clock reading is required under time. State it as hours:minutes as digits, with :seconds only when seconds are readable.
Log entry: 2:00
